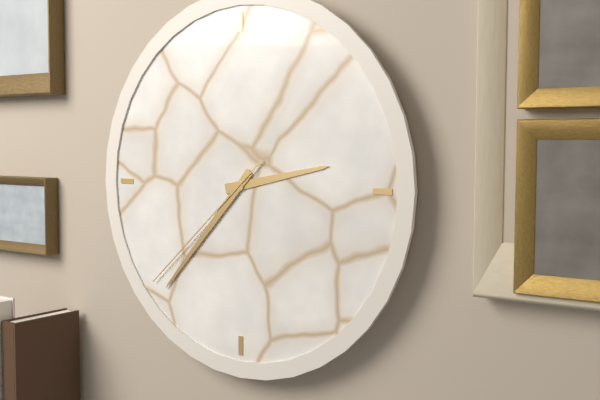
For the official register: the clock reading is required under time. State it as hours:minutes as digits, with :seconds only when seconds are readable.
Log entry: 2:37:38
